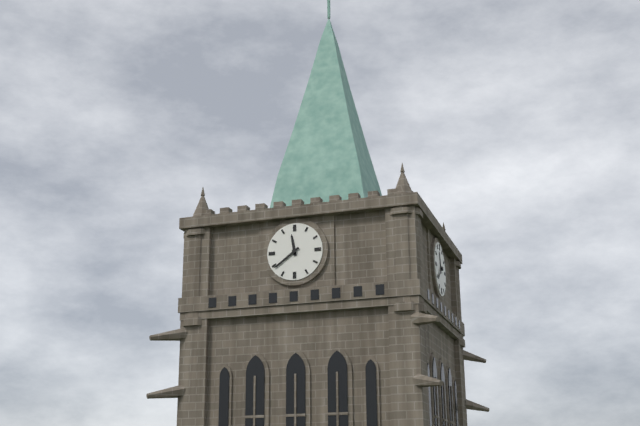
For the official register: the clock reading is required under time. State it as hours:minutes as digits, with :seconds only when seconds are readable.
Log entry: 11:39
